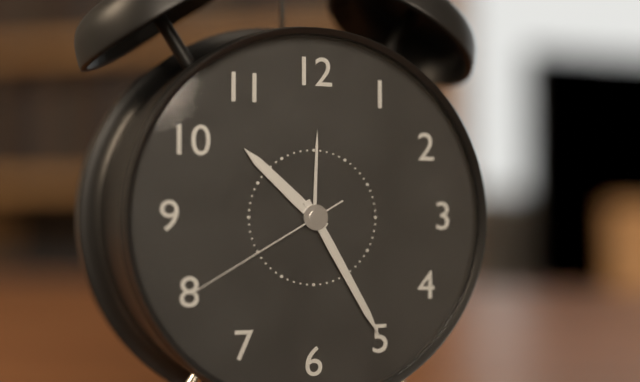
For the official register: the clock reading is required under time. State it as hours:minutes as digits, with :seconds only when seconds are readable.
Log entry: 10:25:40
